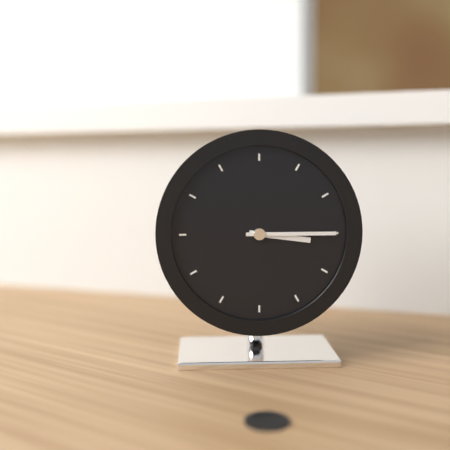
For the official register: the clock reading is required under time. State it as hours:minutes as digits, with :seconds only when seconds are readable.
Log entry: 3:15
